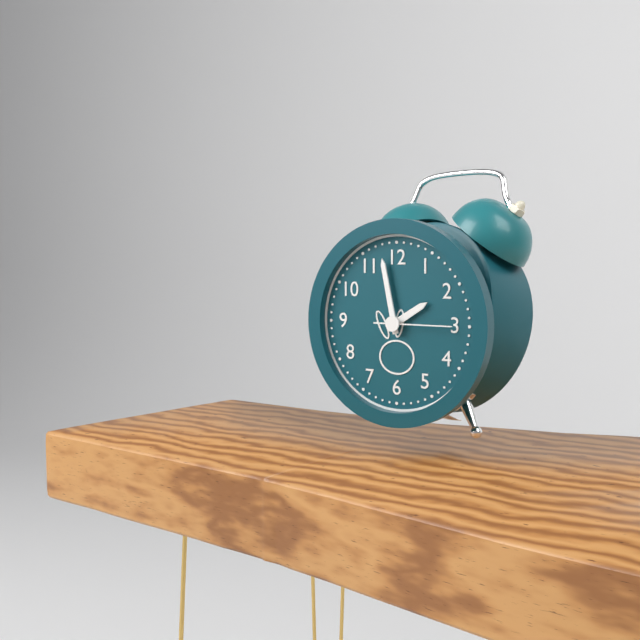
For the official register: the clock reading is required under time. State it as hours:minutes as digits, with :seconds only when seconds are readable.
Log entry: 1:58:15
